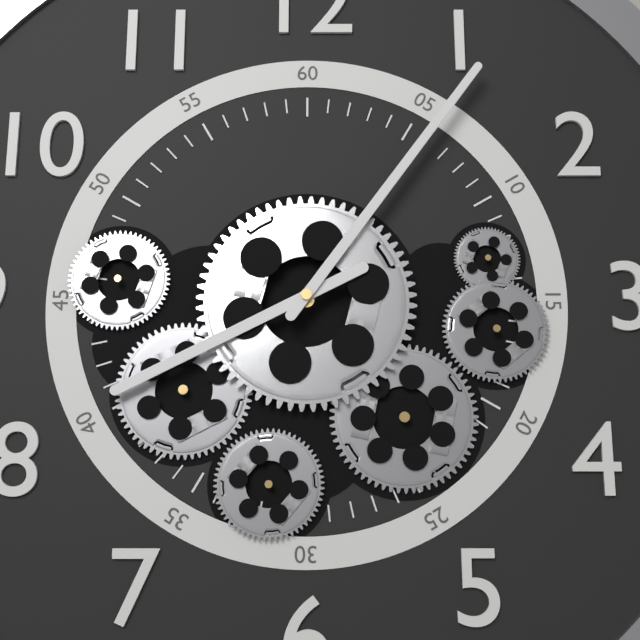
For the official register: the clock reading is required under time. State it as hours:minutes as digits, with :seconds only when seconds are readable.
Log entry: 8:06
